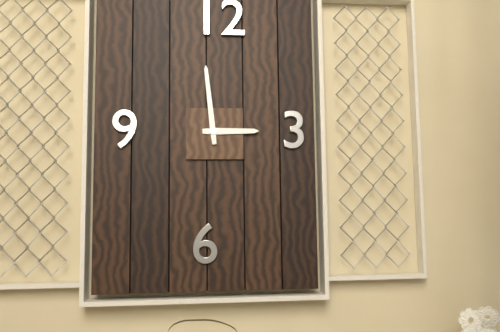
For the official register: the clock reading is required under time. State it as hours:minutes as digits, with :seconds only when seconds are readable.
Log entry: 2:59
